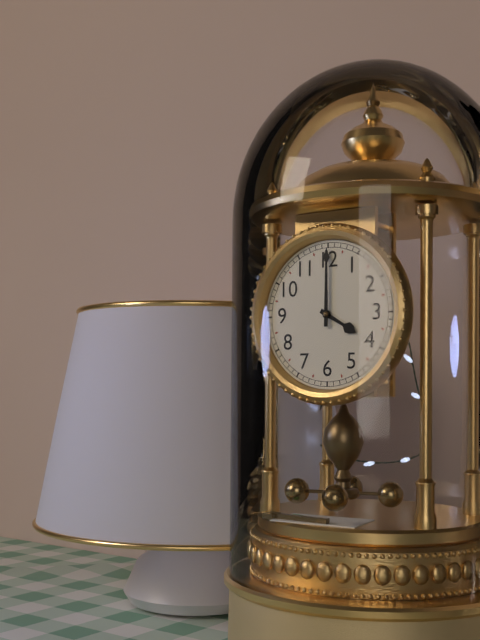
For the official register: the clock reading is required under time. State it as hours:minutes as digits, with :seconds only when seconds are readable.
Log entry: 4:00
